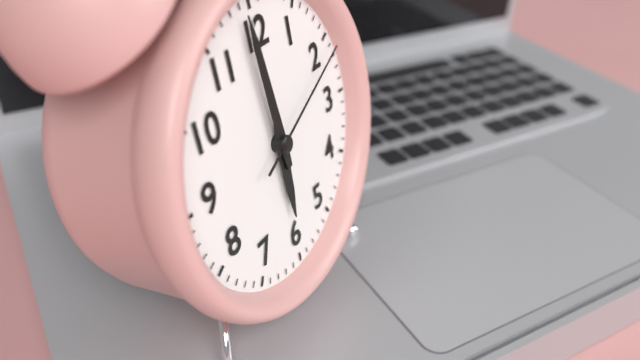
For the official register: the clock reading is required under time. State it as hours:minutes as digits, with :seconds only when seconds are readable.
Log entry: 5:59:11
